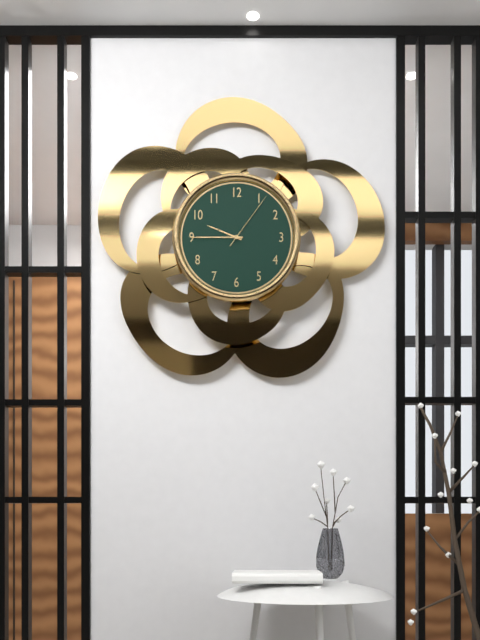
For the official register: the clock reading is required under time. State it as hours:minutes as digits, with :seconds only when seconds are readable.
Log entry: 9:45:06
